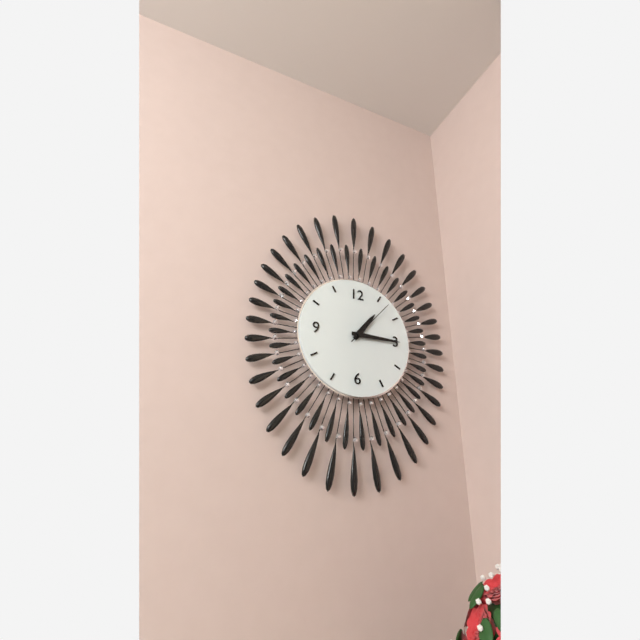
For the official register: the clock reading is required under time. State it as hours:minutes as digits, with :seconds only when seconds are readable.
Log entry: 1:15:07
